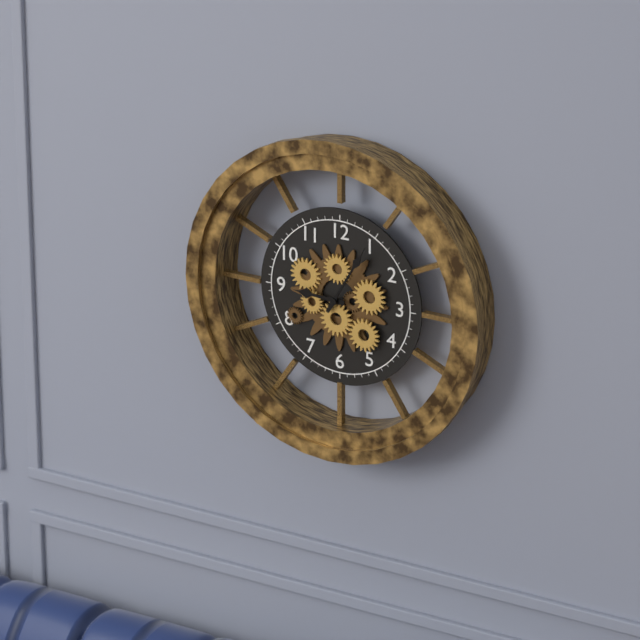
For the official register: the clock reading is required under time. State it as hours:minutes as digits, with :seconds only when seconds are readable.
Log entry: 9:05
